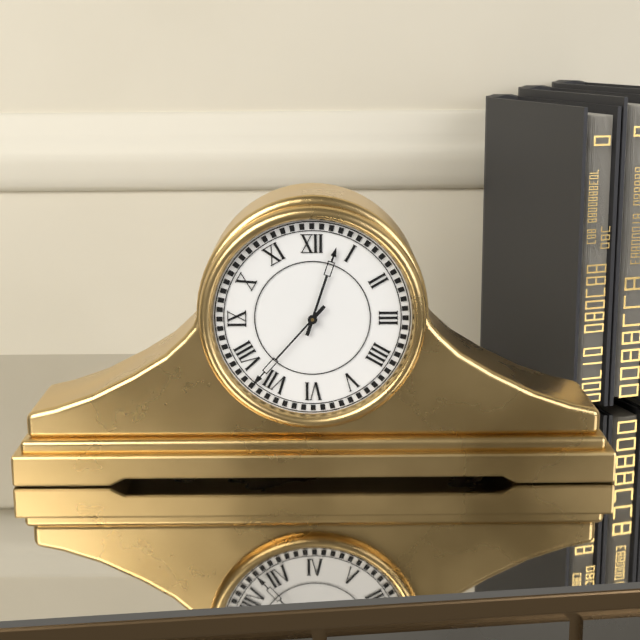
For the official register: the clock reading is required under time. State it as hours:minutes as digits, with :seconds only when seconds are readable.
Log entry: 12:37
